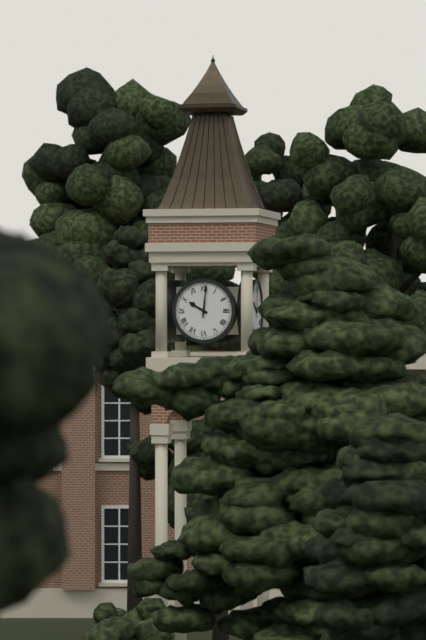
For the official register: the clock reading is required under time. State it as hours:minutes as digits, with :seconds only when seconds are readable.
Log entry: 10:01
